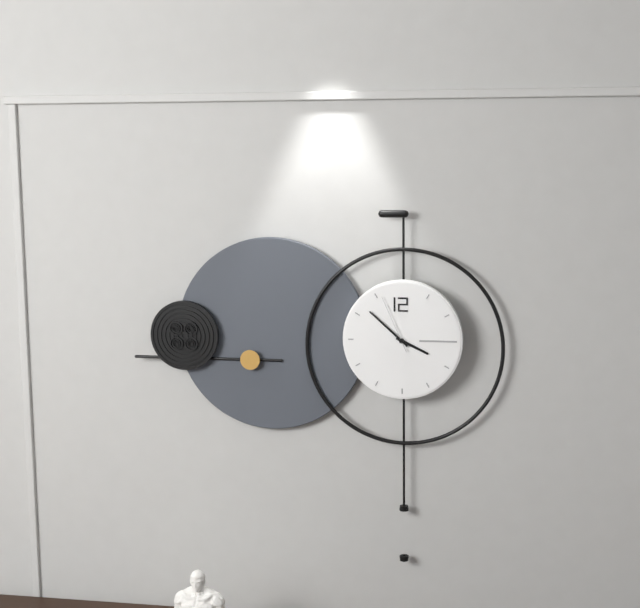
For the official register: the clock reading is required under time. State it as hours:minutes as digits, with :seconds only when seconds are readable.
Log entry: 3:52:56
